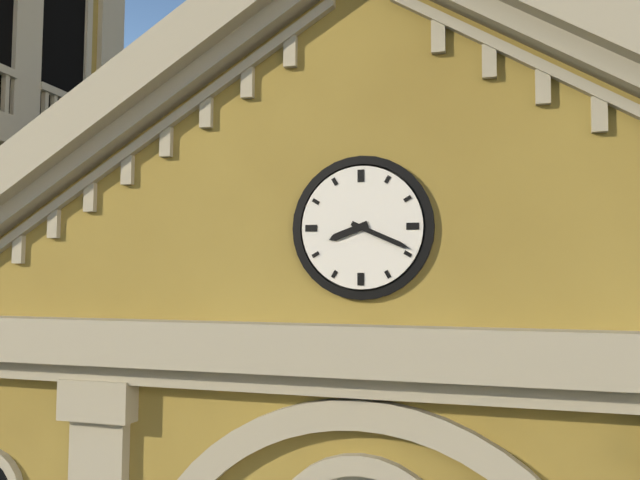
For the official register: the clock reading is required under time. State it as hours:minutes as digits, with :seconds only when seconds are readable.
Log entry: 8:19
